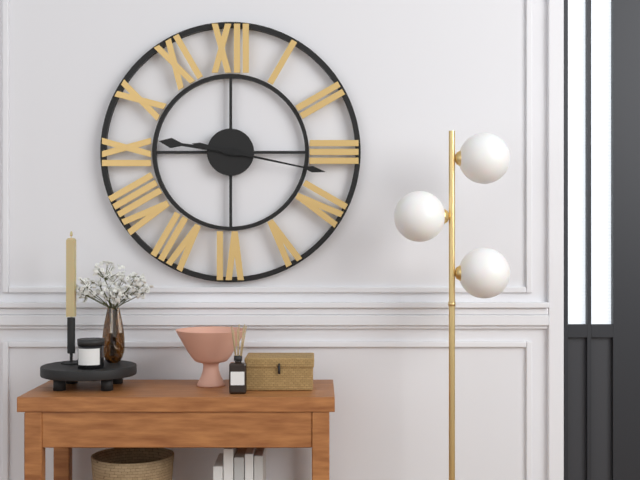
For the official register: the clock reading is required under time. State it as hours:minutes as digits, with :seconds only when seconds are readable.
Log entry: 9:17
